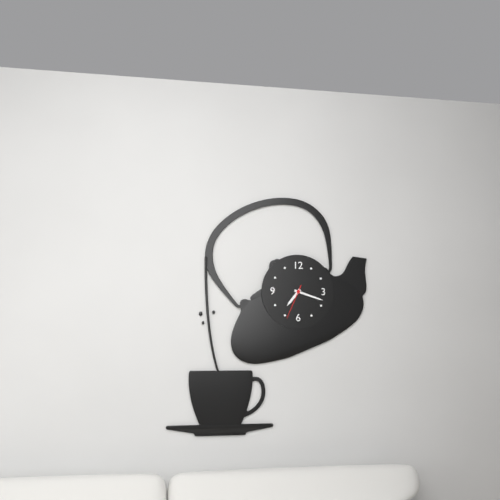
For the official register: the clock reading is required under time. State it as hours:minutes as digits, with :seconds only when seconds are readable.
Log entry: 7:18
